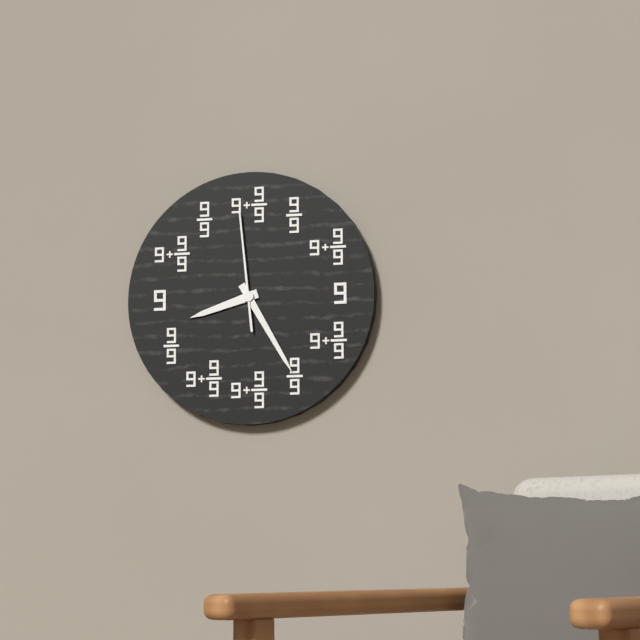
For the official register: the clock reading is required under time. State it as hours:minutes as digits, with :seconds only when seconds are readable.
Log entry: 8:25:59
